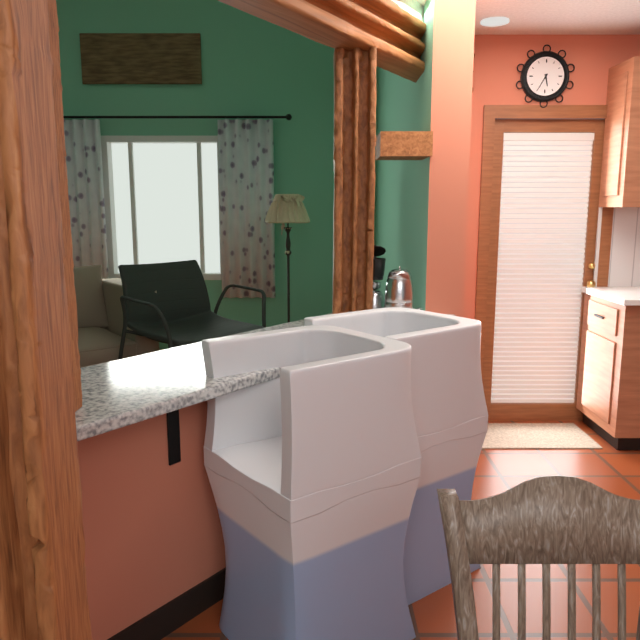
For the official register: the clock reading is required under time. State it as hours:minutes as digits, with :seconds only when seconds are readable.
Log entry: 5:35
